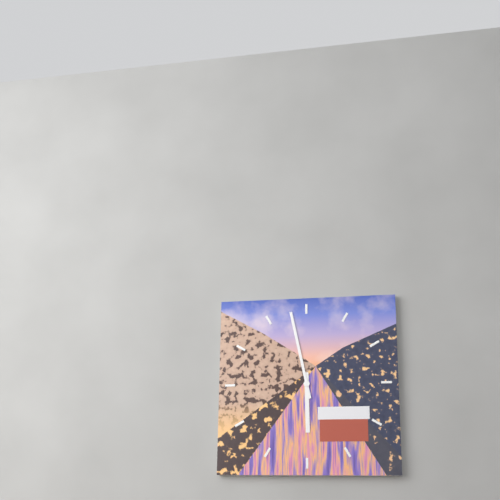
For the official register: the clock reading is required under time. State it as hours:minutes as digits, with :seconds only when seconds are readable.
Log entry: 5:58
